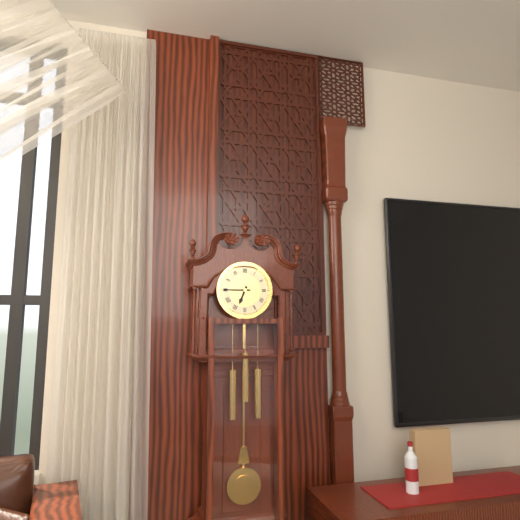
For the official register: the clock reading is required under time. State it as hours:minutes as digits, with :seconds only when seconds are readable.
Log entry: 6:45
